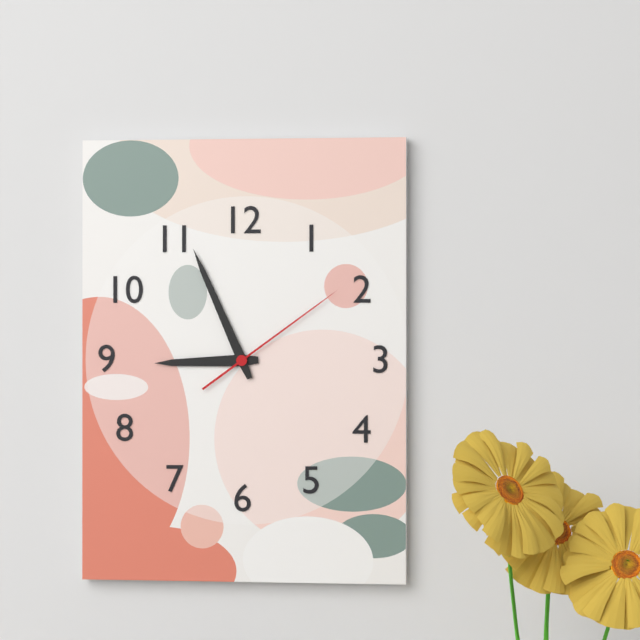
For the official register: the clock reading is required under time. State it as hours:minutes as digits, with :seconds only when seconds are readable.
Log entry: 8:56:09
